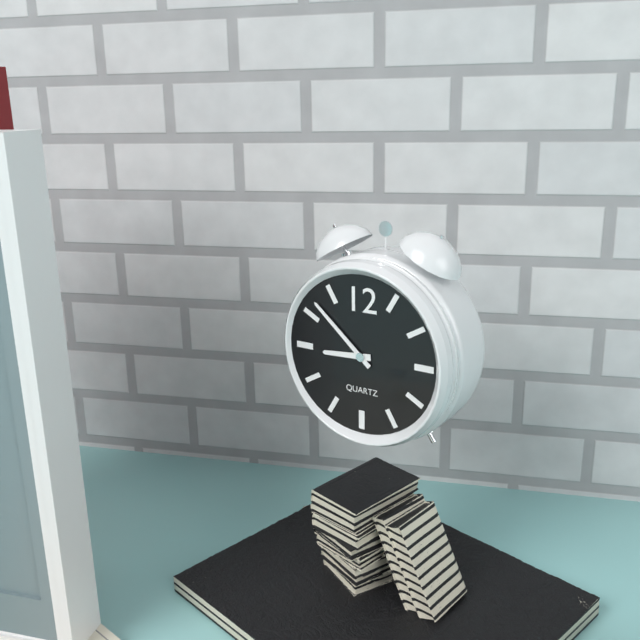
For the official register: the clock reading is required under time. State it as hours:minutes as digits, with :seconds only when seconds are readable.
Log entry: 8:52
